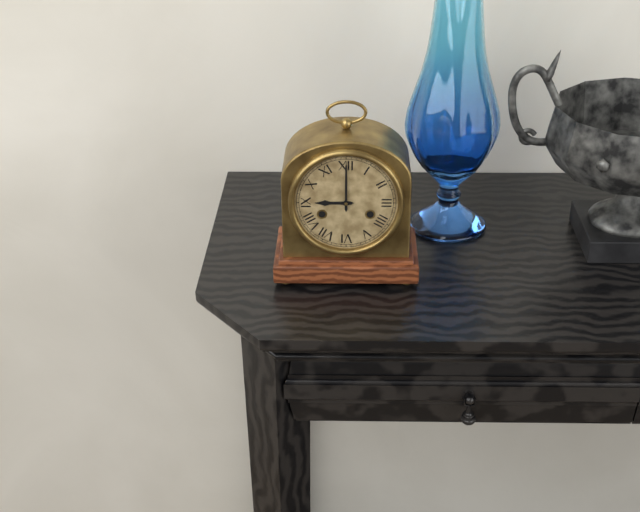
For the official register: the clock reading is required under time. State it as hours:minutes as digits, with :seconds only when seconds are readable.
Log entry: 9:00
